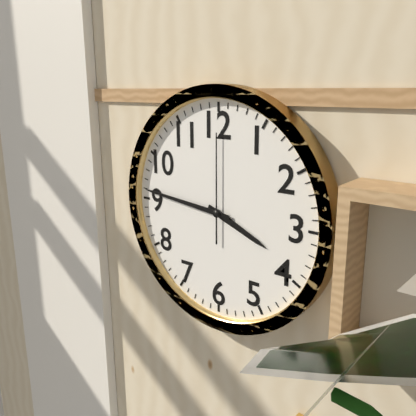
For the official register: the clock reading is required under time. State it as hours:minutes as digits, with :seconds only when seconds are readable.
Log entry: 3:46:00
